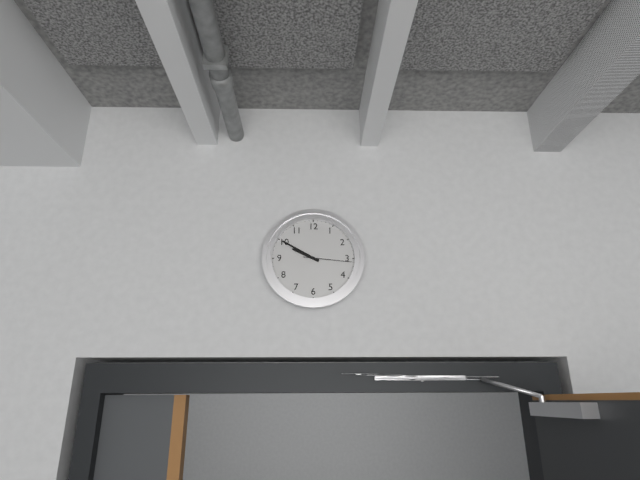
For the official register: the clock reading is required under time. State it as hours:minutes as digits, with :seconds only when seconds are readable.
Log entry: 9:50:16
